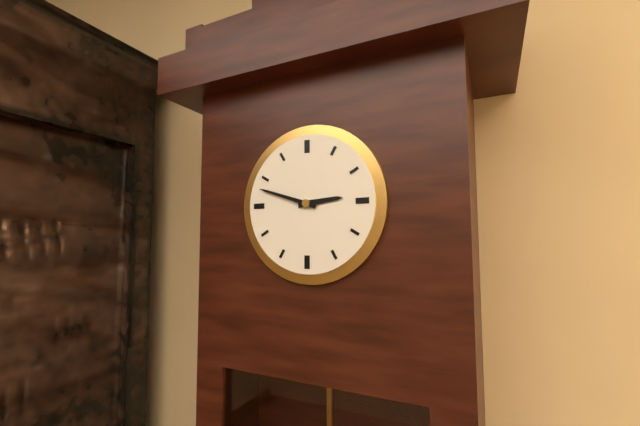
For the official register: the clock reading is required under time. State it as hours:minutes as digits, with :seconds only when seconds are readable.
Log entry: 2:48
